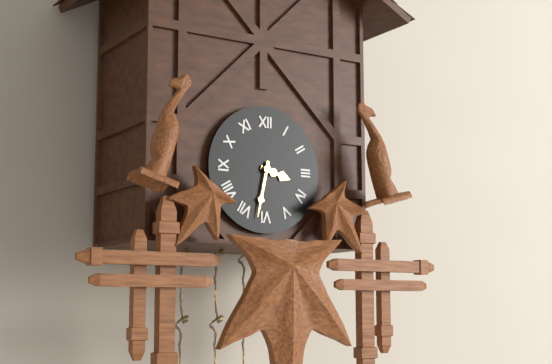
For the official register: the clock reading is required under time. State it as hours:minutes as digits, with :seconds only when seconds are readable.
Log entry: 3:32
